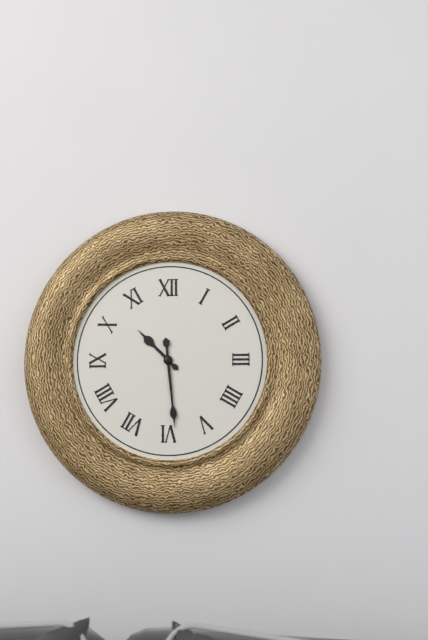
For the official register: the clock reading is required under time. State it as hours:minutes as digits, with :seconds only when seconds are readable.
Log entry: 10:29
